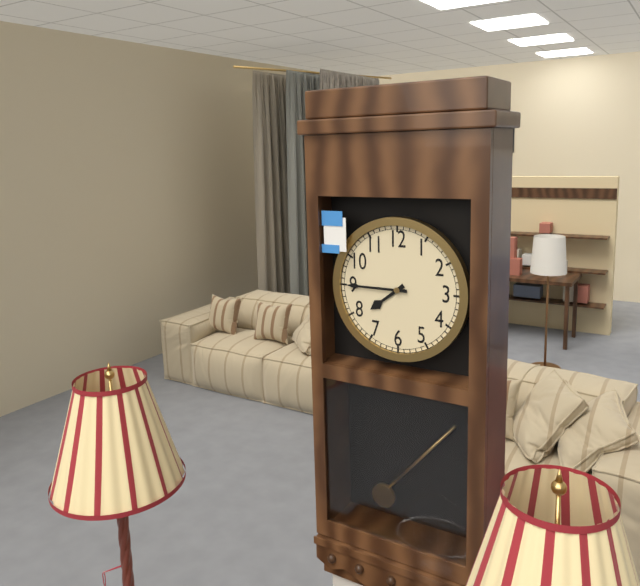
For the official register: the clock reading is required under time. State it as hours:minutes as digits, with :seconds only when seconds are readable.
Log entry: 7:45
